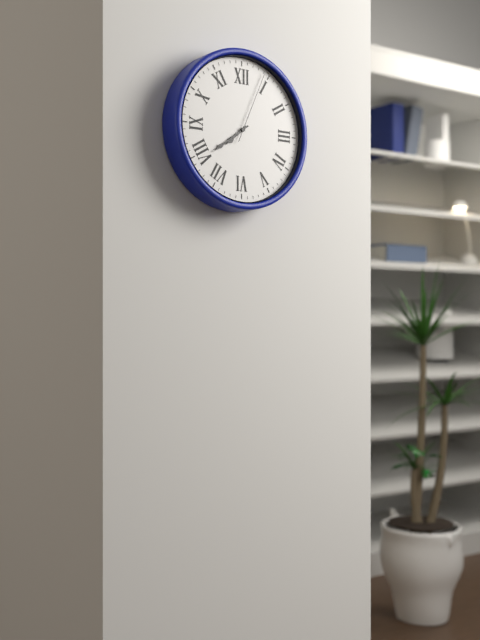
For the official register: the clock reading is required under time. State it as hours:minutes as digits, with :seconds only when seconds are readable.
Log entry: 7:39:04
